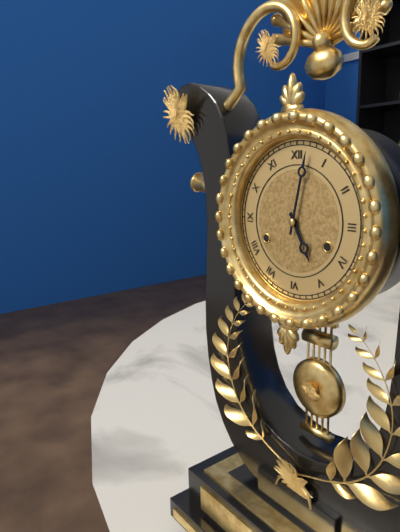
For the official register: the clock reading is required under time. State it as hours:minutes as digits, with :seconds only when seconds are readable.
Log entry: 5:02
